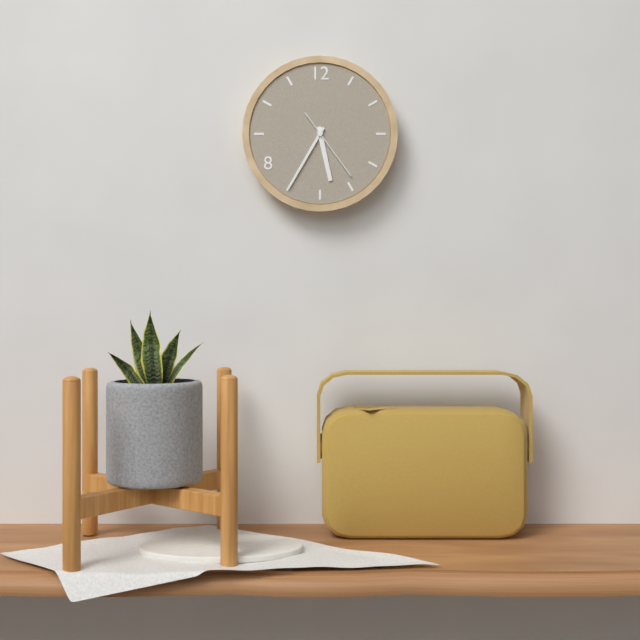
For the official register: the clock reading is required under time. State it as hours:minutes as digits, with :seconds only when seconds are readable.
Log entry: 5:35:24
